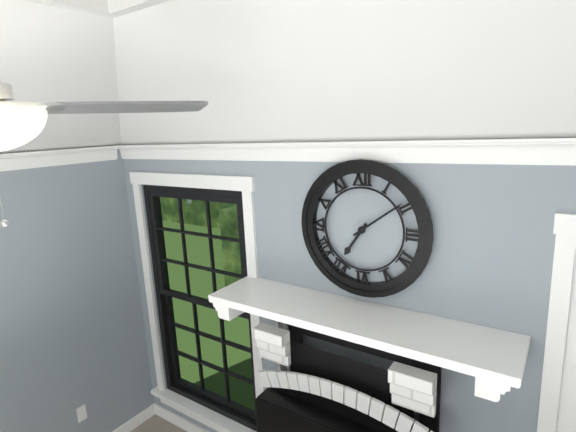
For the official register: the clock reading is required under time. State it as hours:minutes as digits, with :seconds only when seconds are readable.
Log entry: 7:09
